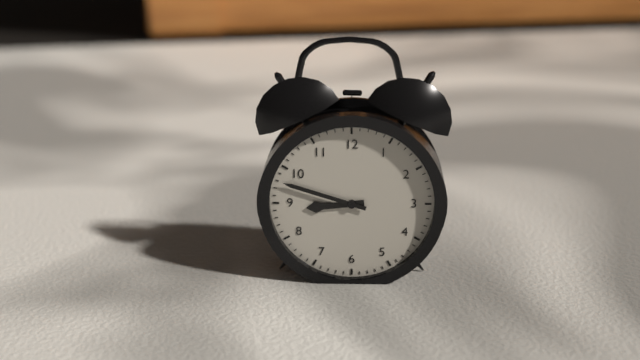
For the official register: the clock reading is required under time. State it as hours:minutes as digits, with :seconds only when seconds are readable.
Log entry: 8:48
